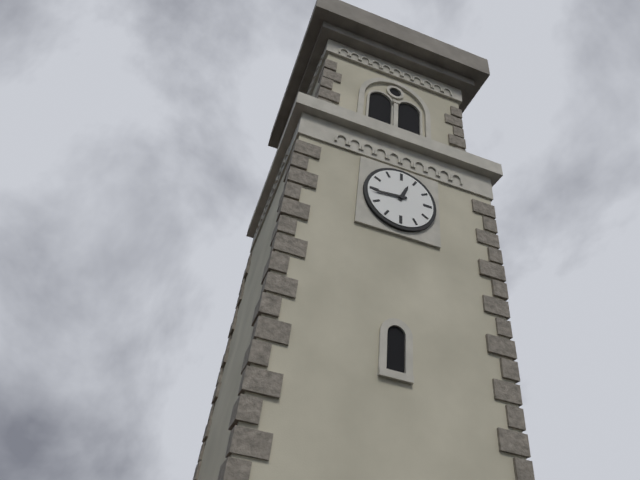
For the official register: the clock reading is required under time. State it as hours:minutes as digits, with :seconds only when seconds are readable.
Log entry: 12:44
